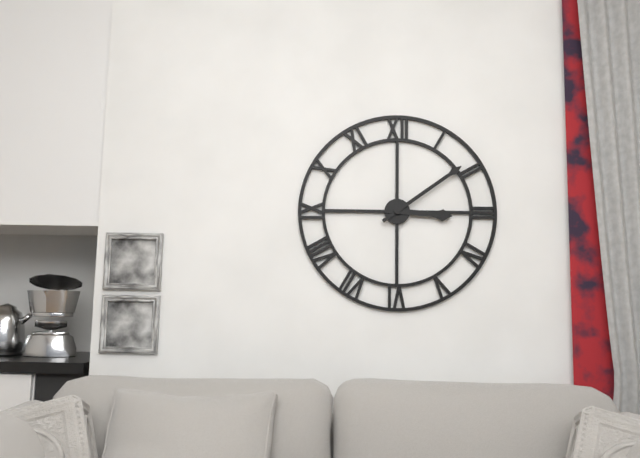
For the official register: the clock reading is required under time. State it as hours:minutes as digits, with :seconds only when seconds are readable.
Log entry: 3:09
